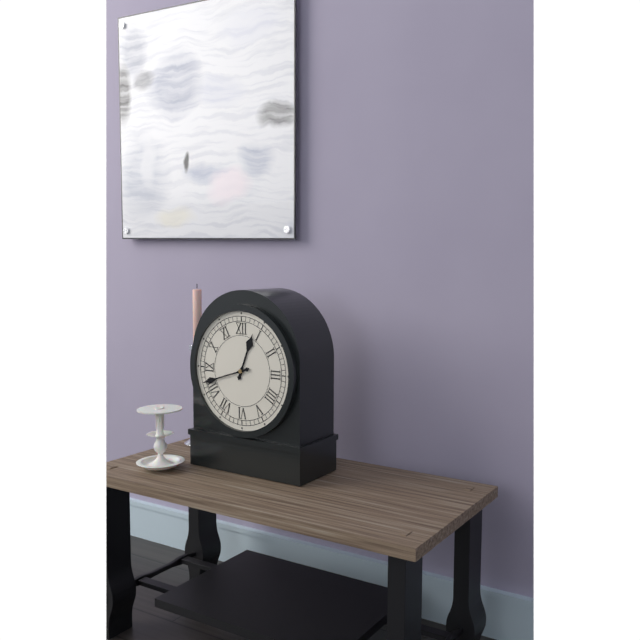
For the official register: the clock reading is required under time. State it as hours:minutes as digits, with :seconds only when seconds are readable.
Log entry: 12:42
